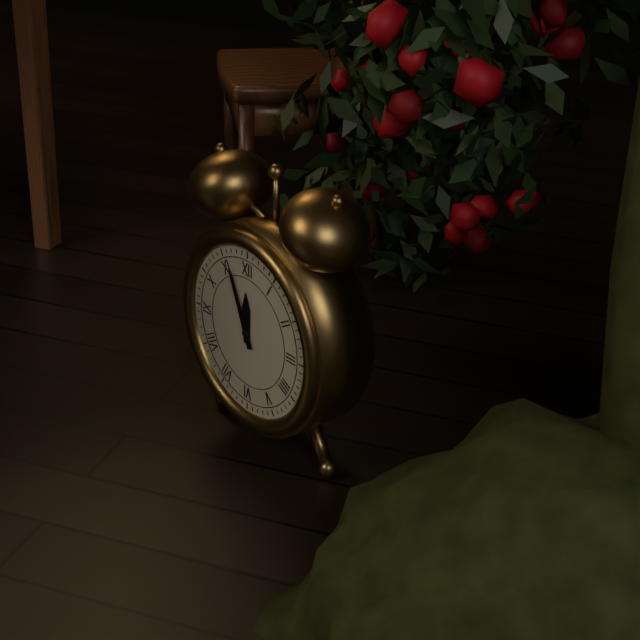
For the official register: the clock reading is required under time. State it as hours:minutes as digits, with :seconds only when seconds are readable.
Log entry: 11:56
